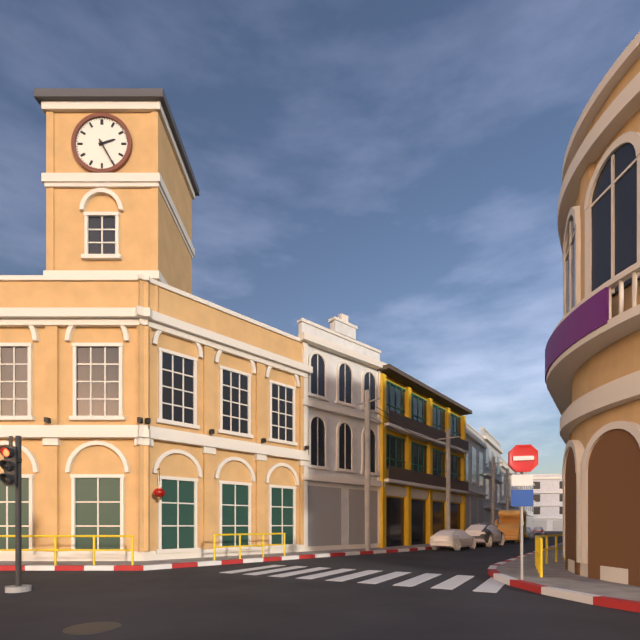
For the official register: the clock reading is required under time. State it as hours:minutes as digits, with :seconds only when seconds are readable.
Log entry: 2:25
